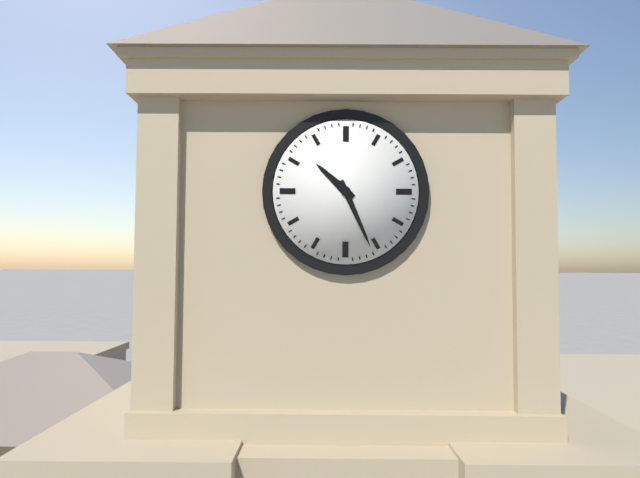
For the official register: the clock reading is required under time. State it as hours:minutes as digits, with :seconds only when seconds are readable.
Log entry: 10:26
